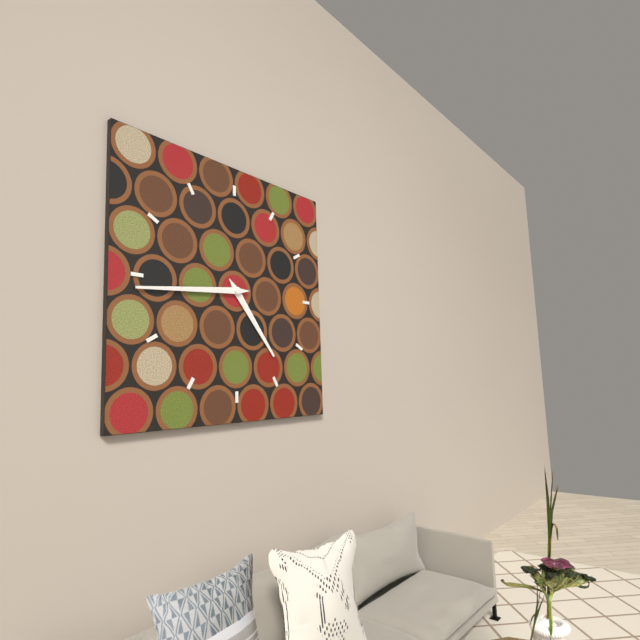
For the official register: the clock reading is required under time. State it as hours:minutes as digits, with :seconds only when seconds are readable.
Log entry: 4:44
